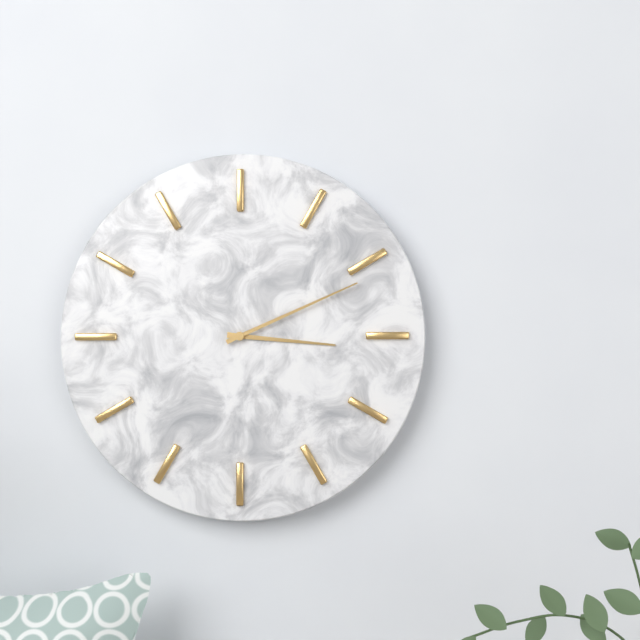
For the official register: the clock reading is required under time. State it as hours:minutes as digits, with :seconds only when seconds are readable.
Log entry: 3:11
